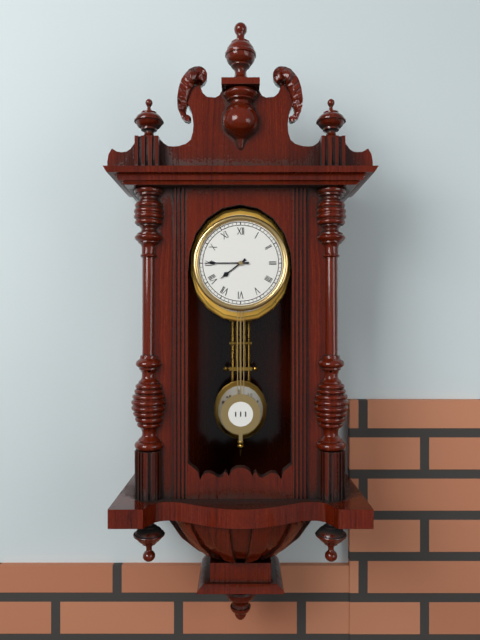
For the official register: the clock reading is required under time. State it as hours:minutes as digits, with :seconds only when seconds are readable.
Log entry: 7:45
